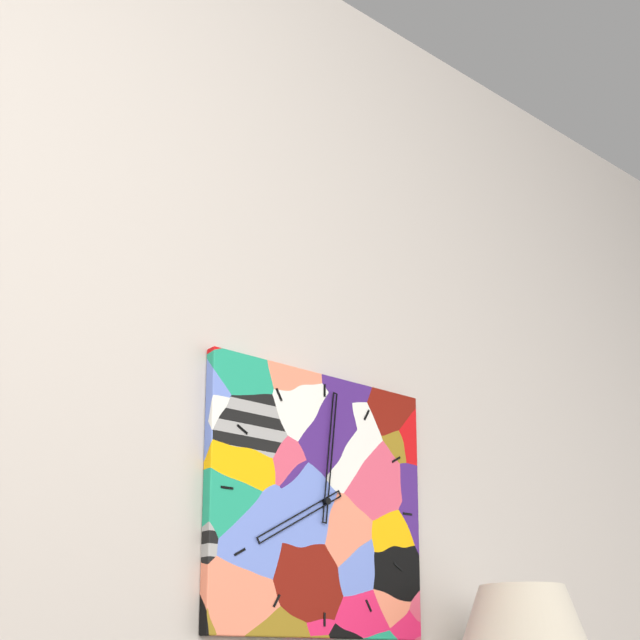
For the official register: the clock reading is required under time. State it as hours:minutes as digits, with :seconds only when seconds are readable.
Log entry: 8:01
